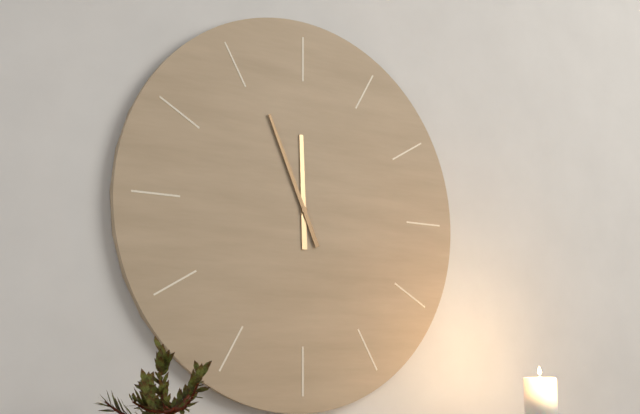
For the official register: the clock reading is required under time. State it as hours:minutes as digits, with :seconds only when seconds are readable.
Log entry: 11:56
